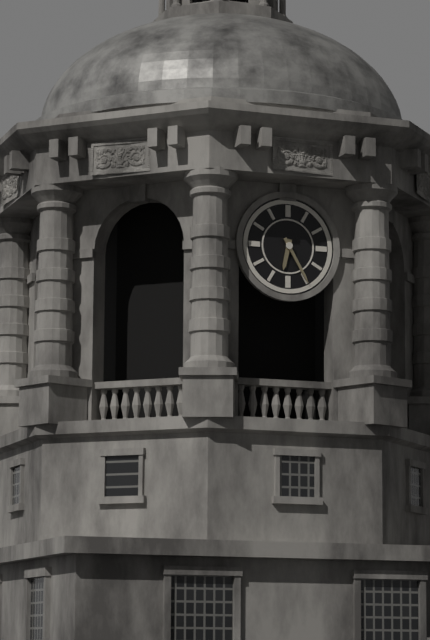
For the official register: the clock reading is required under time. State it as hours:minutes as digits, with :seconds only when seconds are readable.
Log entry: 6:25
